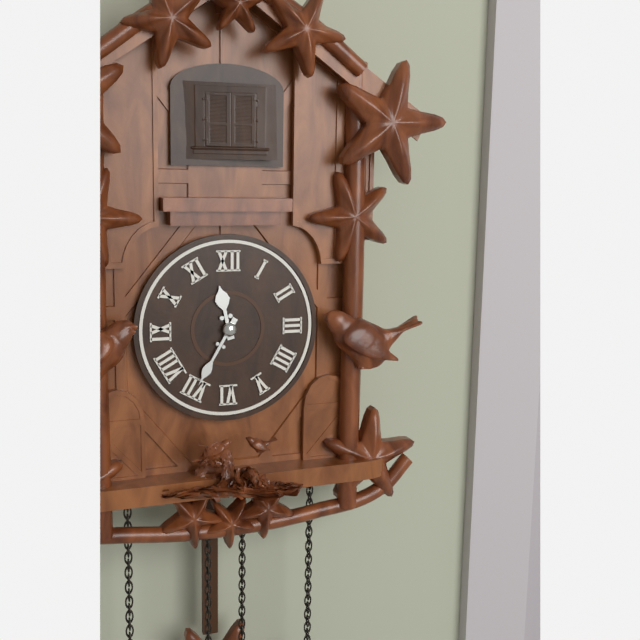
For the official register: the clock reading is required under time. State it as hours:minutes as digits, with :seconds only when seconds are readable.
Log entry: 11:35
